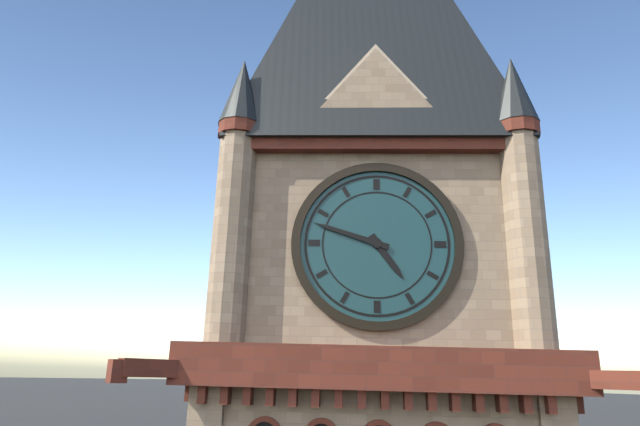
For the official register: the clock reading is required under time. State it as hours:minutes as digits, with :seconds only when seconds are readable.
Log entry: 4:48
